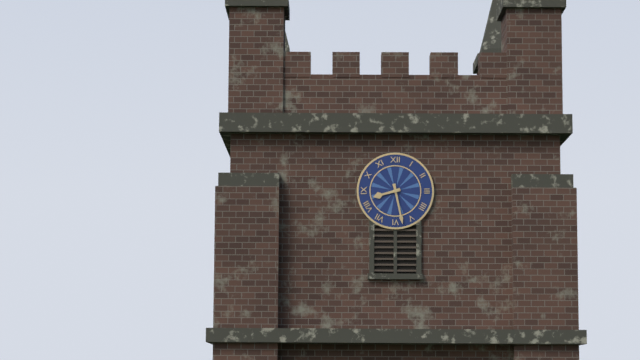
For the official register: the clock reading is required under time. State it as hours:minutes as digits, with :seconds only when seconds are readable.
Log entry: 8:28
